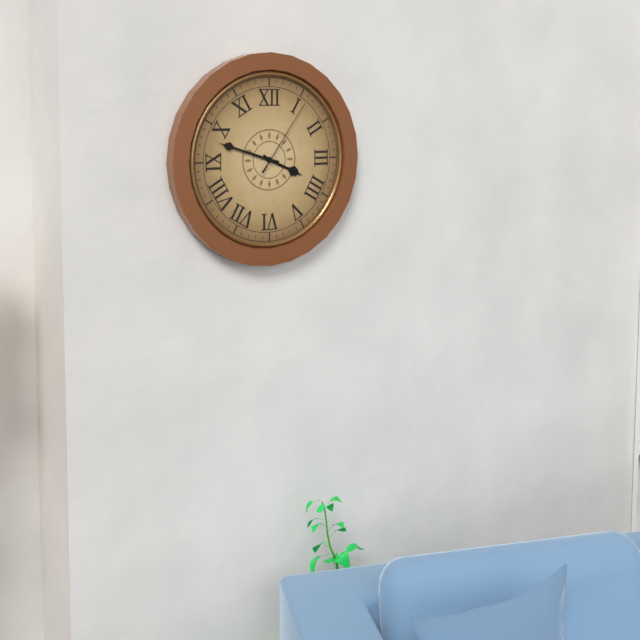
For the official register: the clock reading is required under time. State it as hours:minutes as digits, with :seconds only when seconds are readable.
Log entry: 3:48:06
